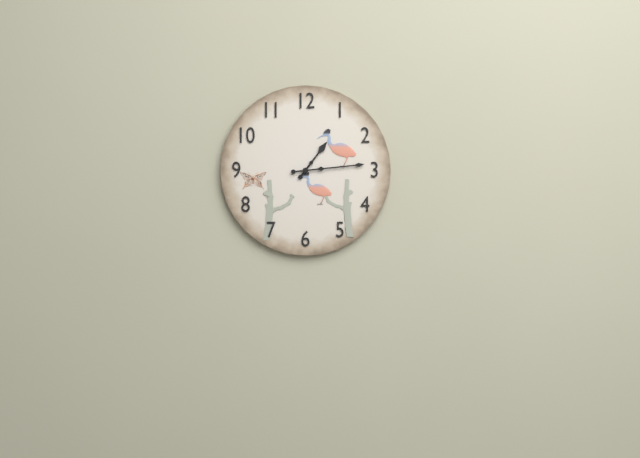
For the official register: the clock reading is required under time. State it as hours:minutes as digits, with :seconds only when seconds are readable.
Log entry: 1:14
